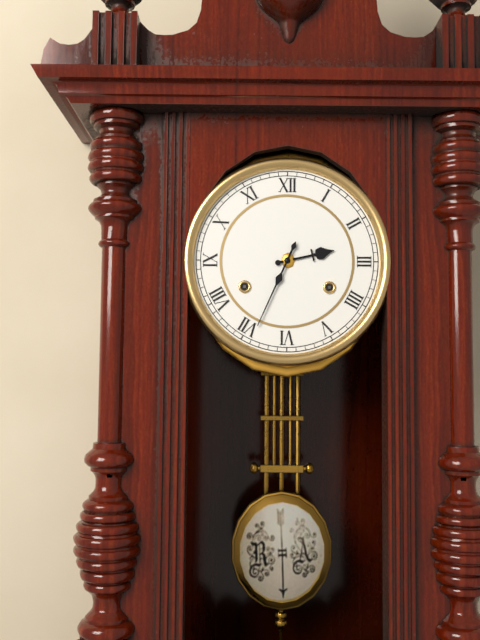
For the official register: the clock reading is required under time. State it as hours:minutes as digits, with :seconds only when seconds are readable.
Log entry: 2:34
